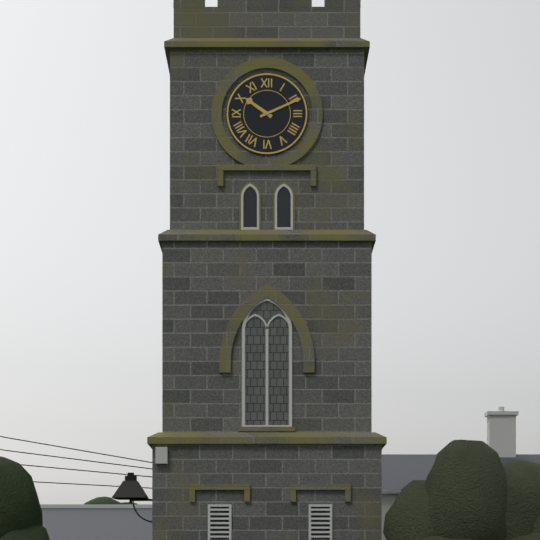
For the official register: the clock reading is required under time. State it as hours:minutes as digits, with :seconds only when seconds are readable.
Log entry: 10:11
